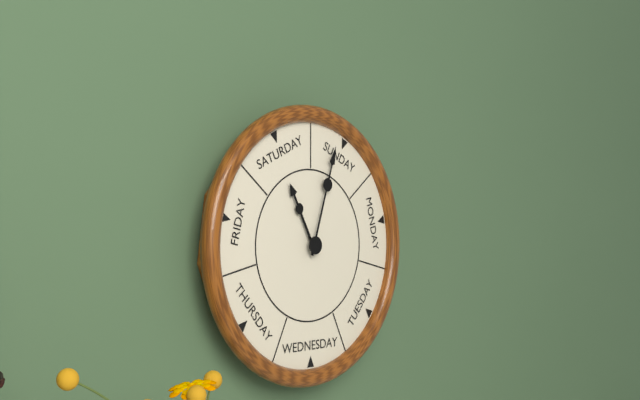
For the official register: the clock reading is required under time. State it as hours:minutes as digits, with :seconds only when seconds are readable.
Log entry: 11:03
